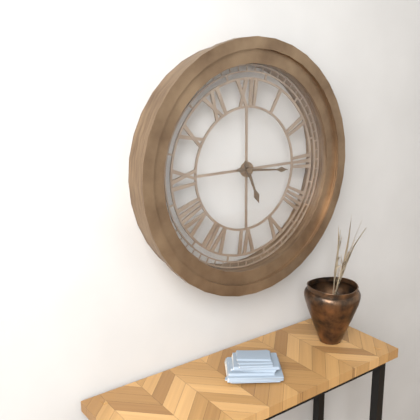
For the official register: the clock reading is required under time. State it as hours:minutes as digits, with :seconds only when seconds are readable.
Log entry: 5:16
